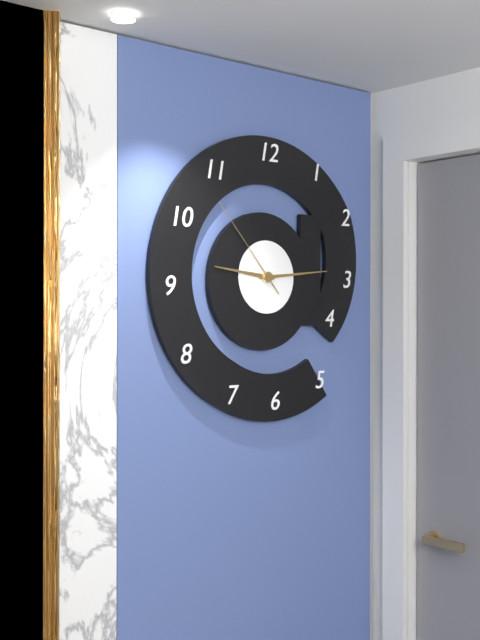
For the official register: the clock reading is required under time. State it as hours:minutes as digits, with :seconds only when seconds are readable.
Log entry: 9:14:53
